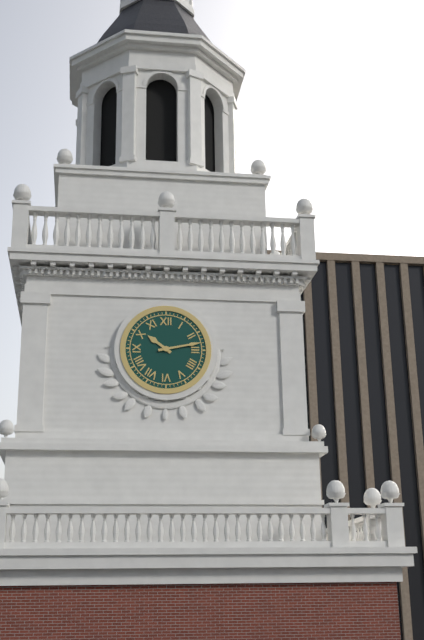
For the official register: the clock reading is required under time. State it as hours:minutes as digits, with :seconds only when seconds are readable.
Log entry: 10:13
